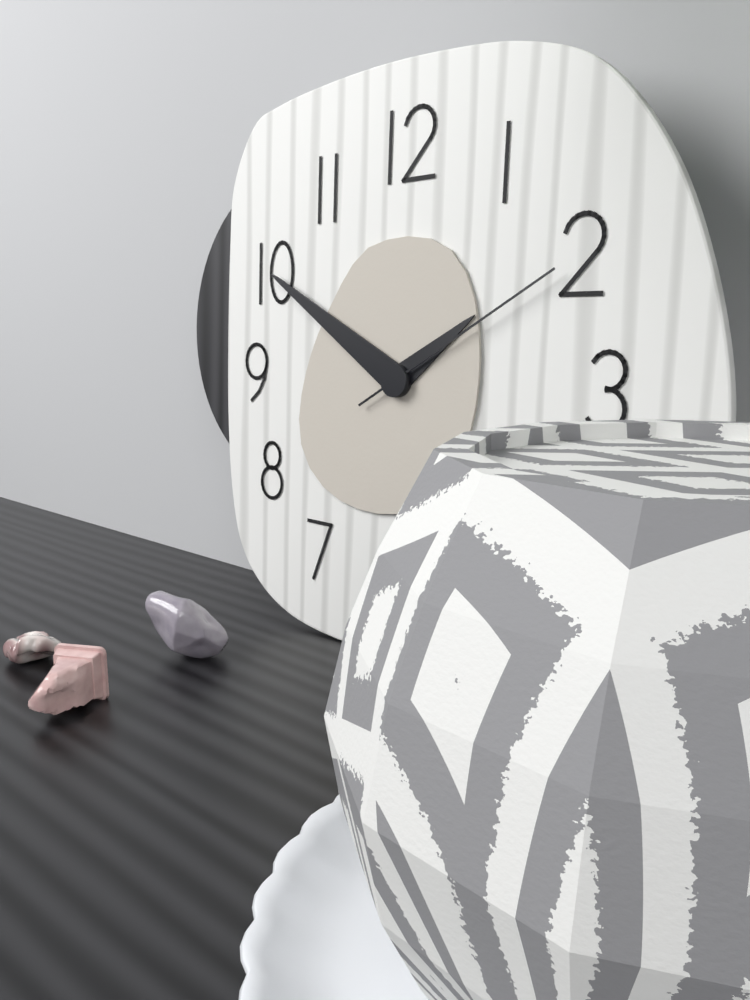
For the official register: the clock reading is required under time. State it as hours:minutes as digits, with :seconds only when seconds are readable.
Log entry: 1:50:10
